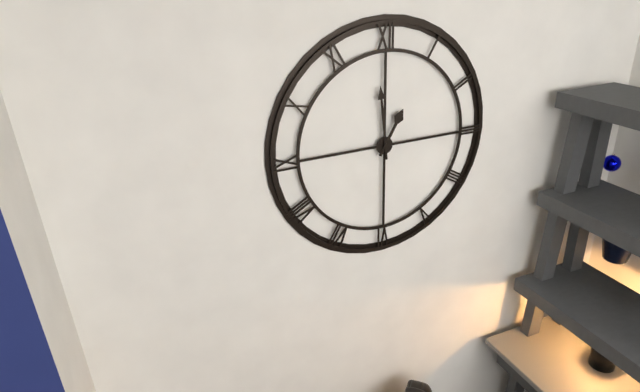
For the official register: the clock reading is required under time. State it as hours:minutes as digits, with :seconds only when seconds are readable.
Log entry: 12:59
